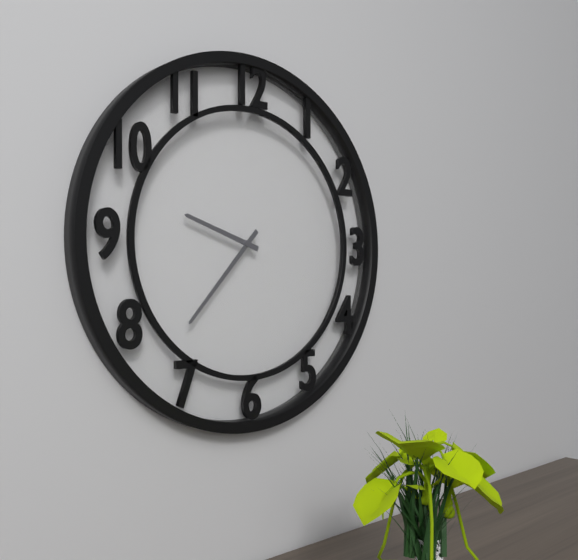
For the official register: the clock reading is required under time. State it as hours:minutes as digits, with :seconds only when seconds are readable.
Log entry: 9:37
